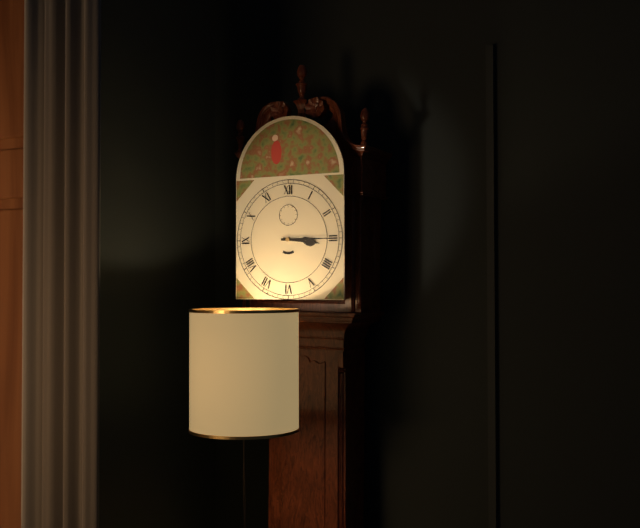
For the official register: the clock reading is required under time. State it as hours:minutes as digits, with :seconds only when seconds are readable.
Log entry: 3:15
